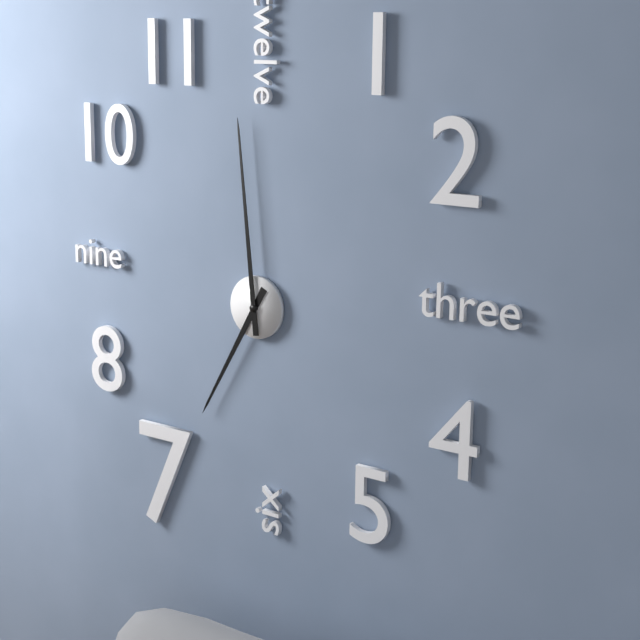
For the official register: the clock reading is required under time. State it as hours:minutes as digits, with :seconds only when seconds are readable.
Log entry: 6:59
